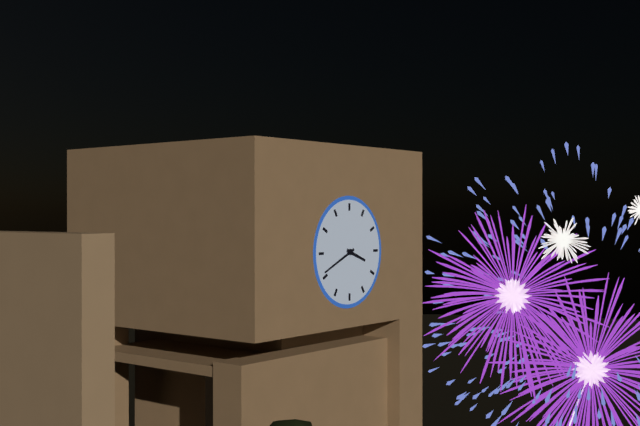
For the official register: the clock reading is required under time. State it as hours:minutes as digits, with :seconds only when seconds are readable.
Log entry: 3:41
